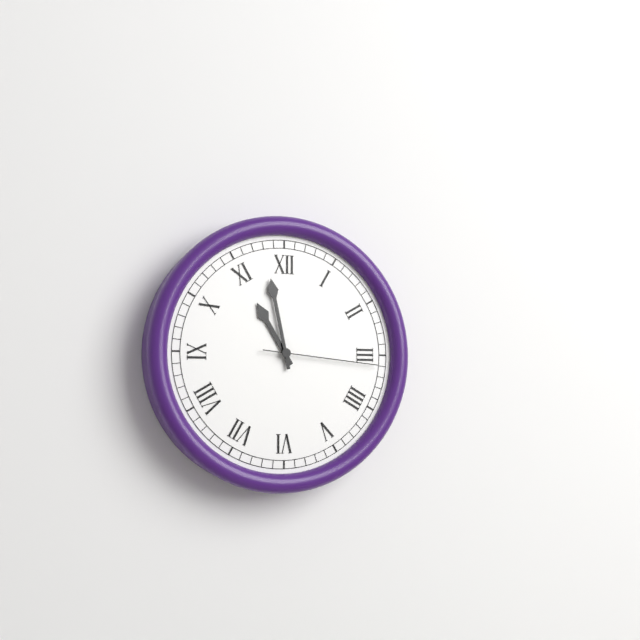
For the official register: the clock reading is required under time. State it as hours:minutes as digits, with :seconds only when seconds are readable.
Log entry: 10:58:16
